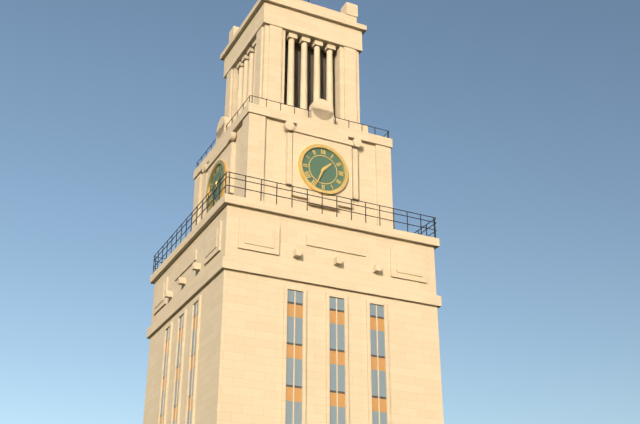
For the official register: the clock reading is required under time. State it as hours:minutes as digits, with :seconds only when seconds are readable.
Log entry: 1:34
